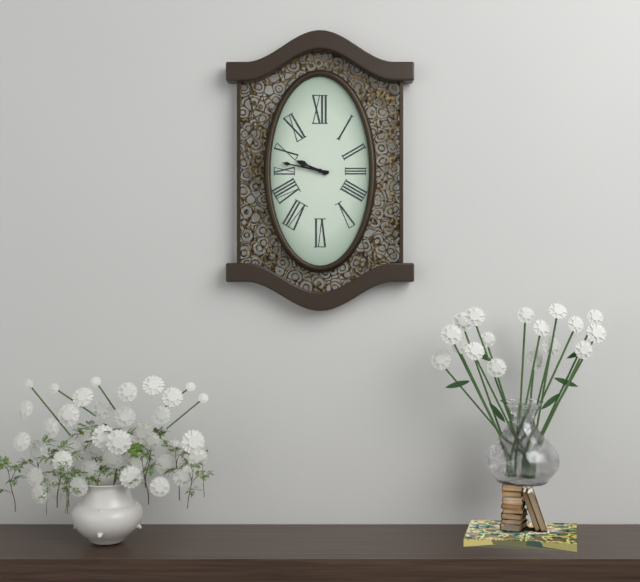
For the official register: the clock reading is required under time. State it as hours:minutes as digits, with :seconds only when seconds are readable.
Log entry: 9:47
